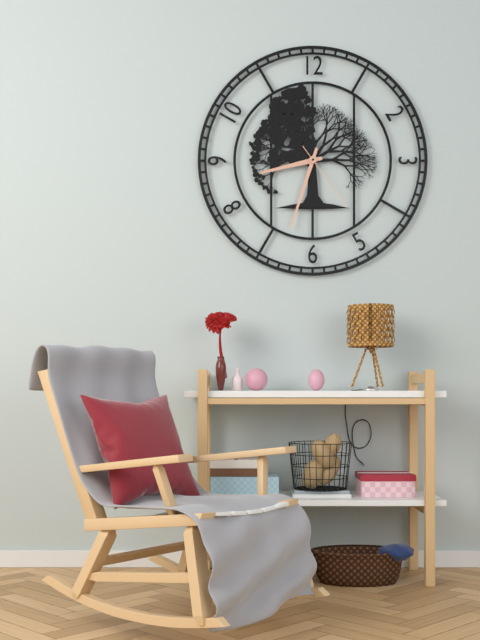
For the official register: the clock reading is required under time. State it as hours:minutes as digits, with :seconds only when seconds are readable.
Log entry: 8:33:24
